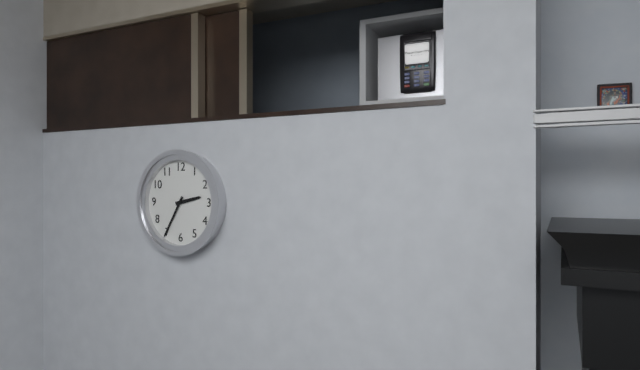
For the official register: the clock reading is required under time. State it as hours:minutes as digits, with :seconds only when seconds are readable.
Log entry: 2:35
